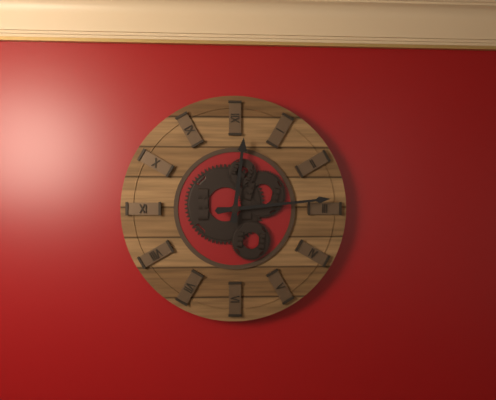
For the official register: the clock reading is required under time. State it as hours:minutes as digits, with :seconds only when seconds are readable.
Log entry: 12:14
